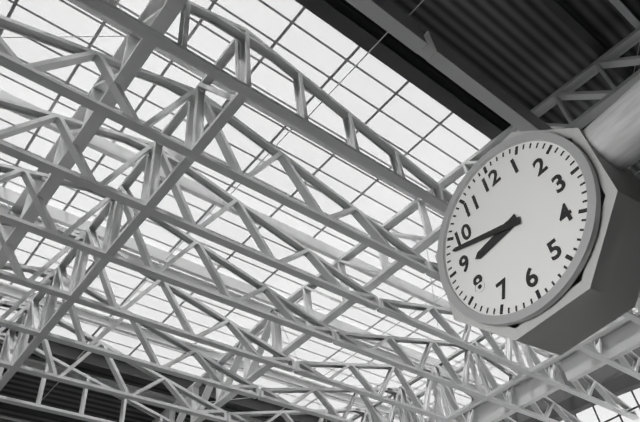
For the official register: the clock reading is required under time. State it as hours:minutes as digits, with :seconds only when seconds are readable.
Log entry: 8:48
